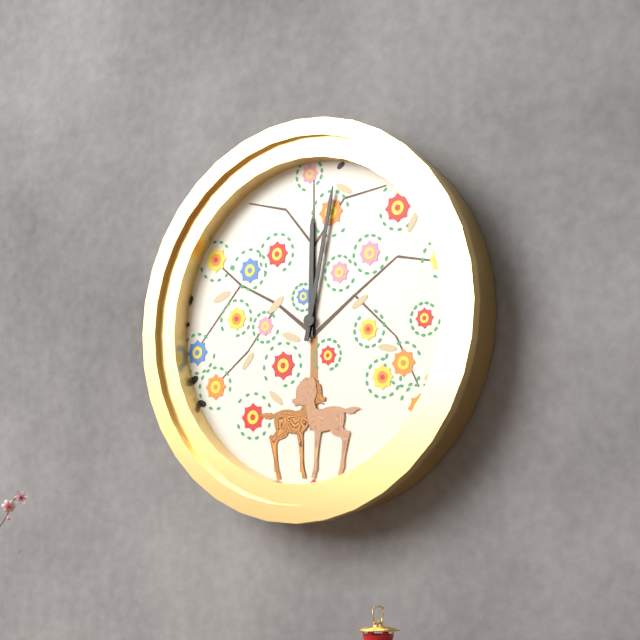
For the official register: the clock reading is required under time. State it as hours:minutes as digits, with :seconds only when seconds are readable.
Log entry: 12:02
